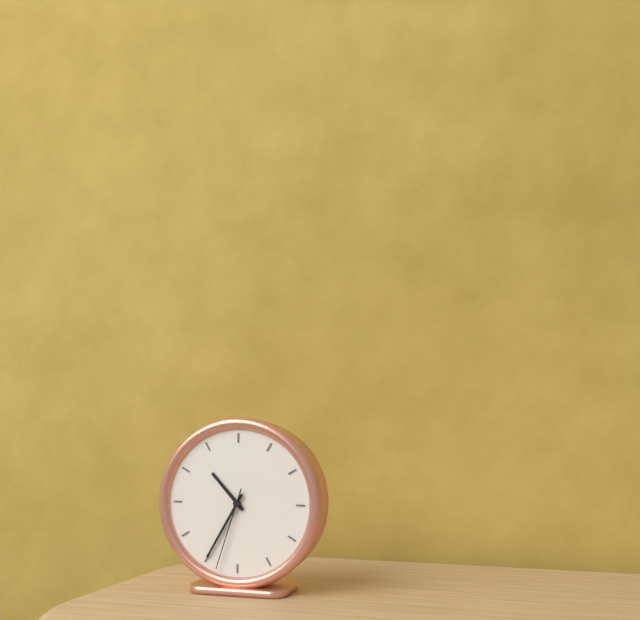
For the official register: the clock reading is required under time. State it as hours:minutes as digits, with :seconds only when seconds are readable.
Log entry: 10:35:33
